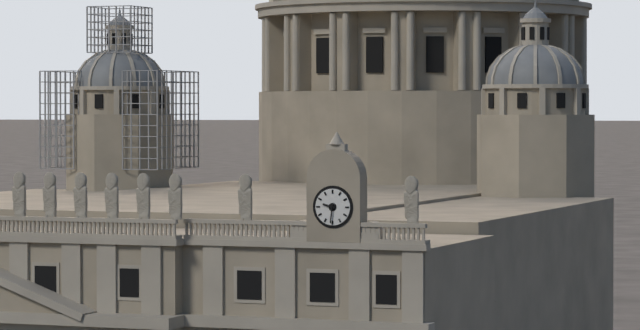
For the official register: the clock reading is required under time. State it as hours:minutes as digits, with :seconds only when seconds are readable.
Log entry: 9:31
